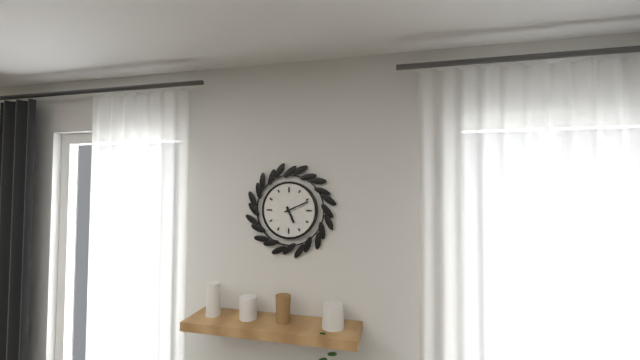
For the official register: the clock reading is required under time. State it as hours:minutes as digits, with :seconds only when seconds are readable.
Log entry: 5:11
